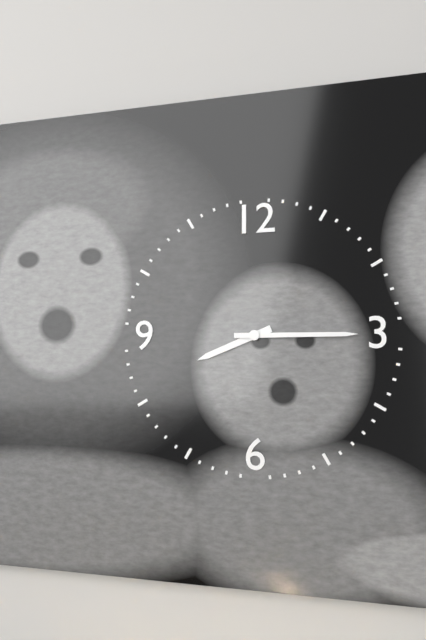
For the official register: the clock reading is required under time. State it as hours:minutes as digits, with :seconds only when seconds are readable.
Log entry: 8:15
